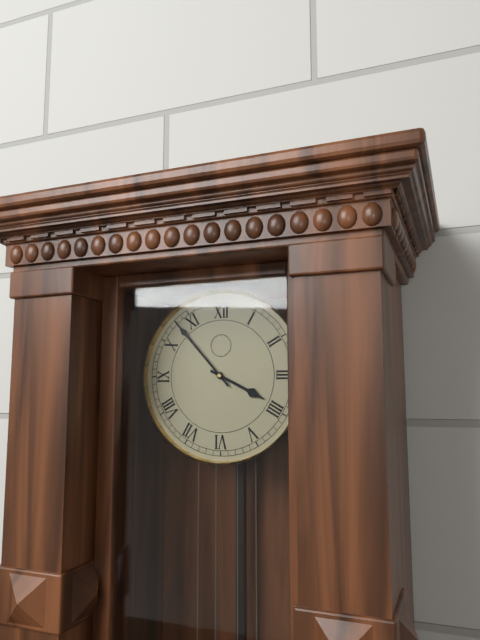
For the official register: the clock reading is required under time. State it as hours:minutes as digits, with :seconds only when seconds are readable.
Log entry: 3:53
